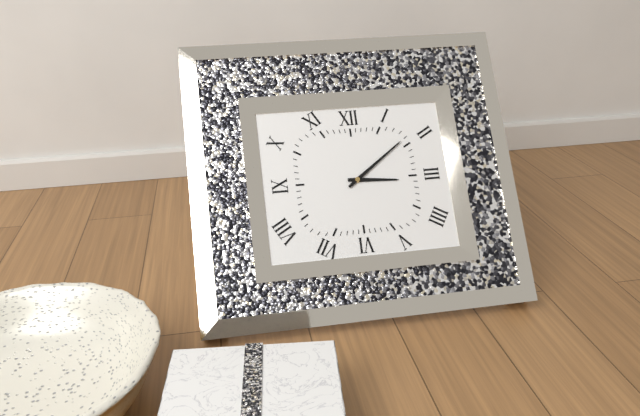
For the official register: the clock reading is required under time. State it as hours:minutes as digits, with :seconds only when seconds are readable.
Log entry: 3:09
